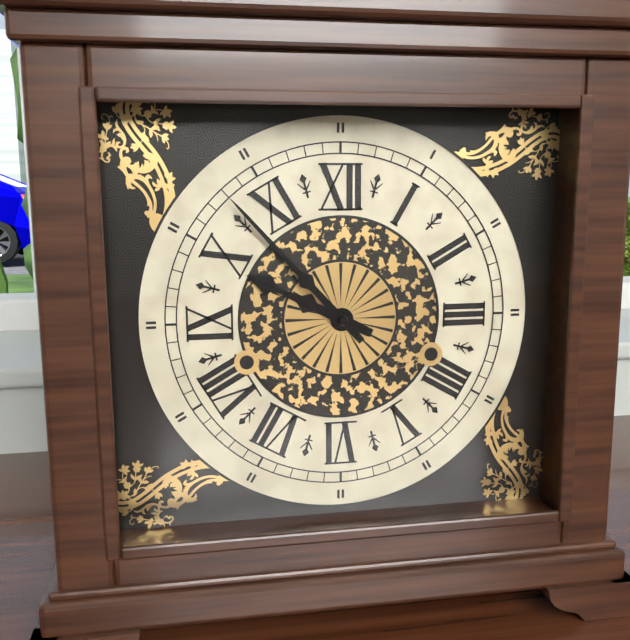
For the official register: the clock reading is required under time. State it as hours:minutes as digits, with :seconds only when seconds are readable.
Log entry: 9:53
